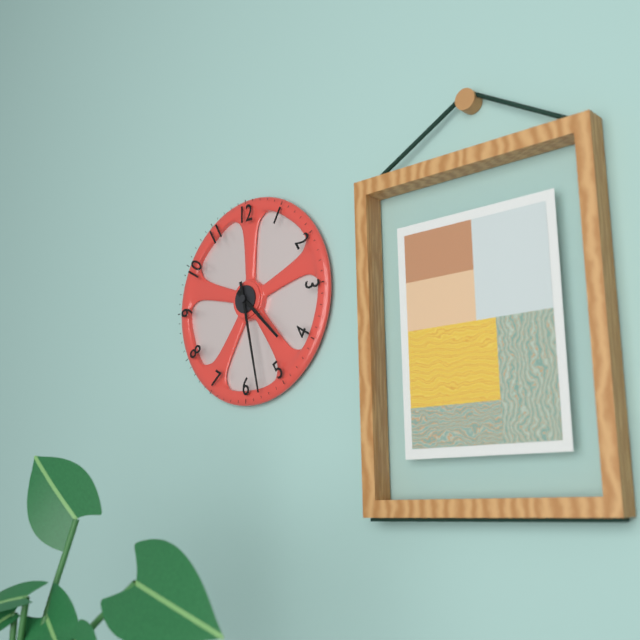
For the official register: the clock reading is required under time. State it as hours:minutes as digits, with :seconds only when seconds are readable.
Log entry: 4:28
